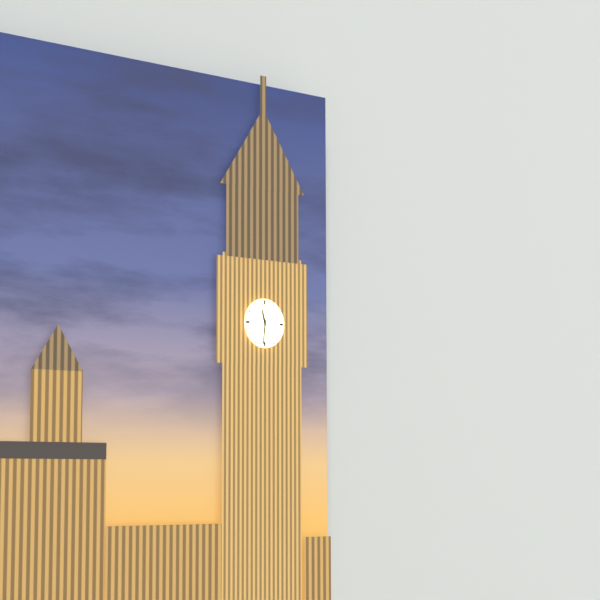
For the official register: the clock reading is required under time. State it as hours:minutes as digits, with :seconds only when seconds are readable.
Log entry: 11:31
